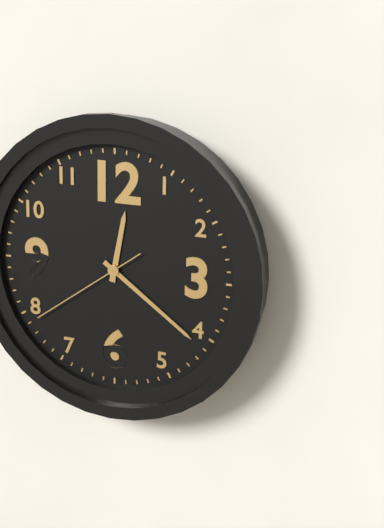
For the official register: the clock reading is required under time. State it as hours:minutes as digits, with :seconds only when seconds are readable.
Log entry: 12:21:39
